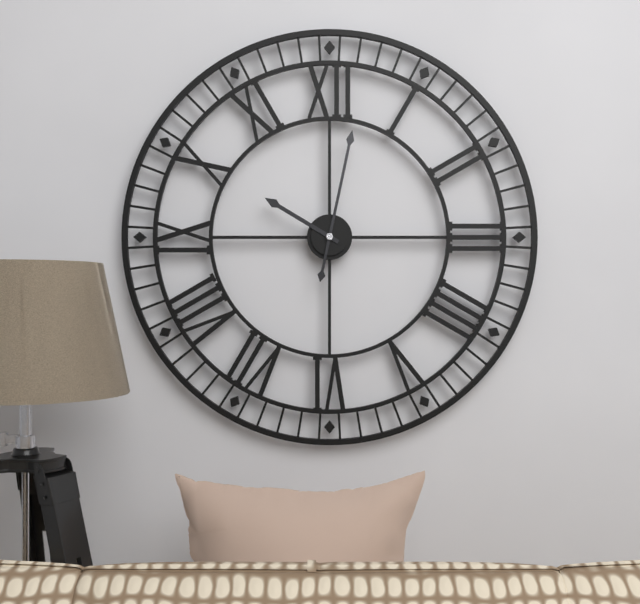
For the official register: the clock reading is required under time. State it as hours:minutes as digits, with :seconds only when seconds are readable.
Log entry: 10:02
